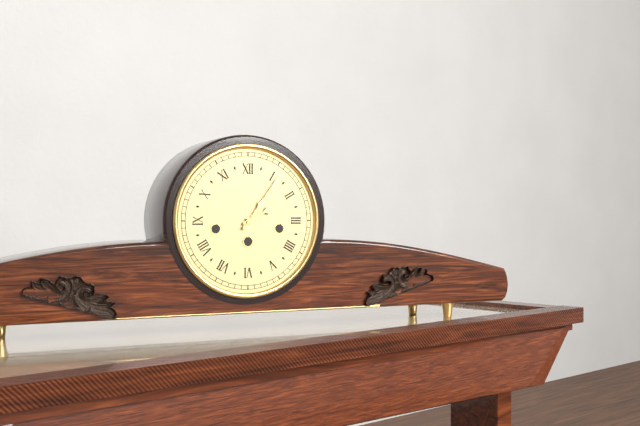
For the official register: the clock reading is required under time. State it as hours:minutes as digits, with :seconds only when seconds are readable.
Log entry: 2:06
